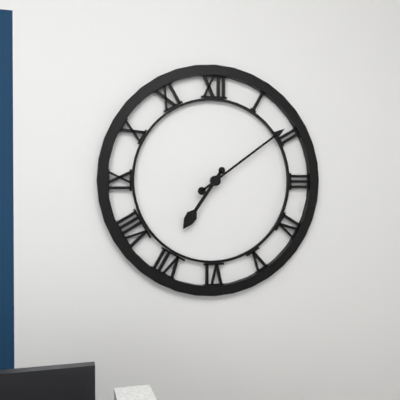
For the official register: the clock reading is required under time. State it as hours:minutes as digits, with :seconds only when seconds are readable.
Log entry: 7:09
